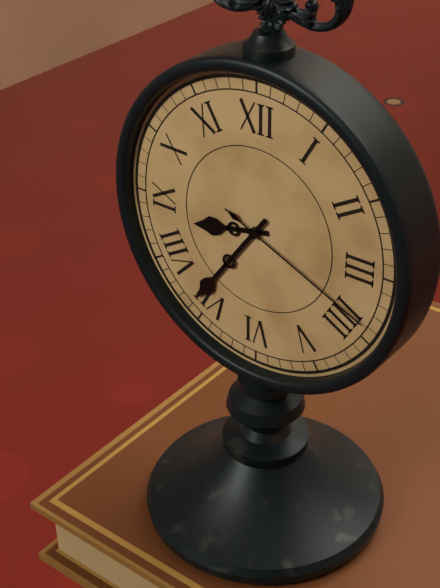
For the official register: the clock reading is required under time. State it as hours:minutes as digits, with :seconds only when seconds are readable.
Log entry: 8:36:19
